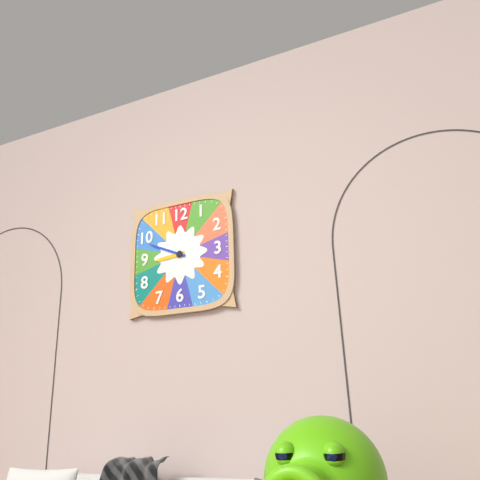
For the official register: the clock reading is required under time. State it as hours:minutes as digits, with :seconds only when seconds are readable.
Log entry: 8:49
